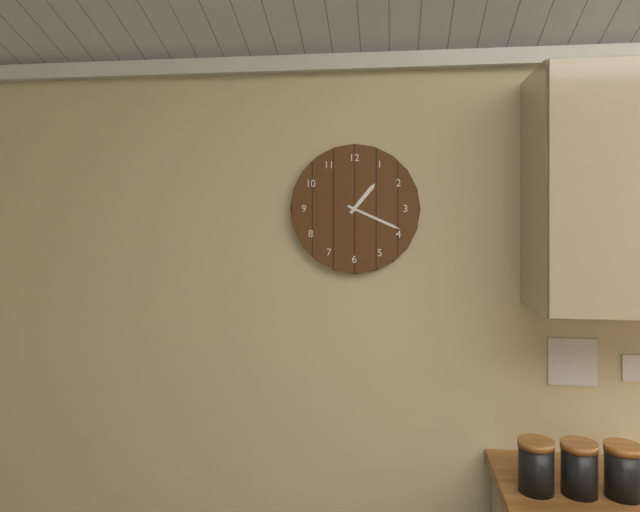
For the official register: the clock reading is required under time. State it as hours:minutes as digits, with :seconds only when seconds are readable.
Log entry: 1:19
